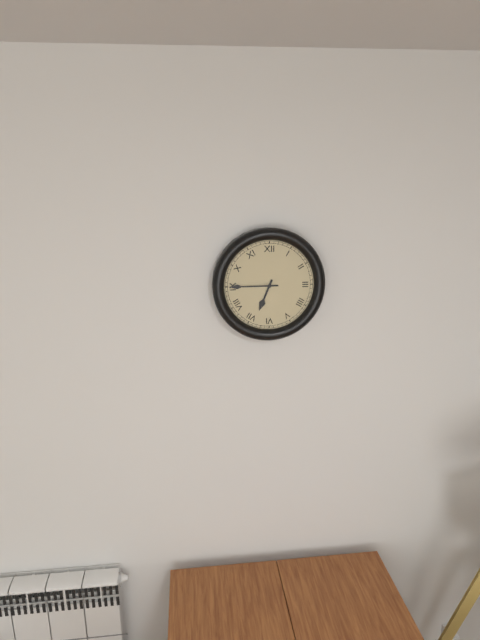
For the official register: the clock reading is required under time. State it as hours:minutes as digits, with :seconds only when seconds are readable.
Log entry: 6:45
